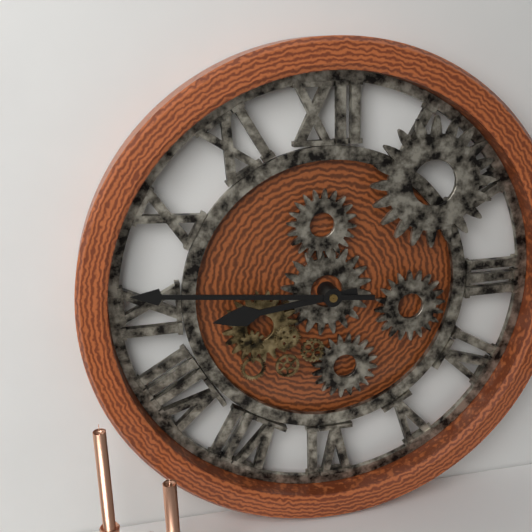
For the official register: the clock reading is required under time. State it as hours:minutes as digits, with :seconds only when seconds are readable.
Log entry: 8:46
